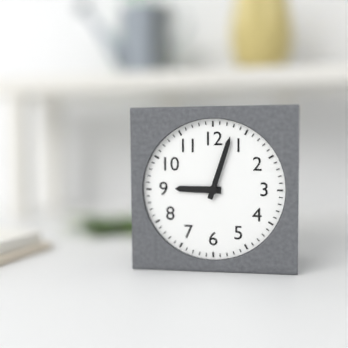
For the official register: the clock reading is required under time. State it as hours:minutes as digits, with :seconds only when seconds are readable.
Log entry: 9:03
